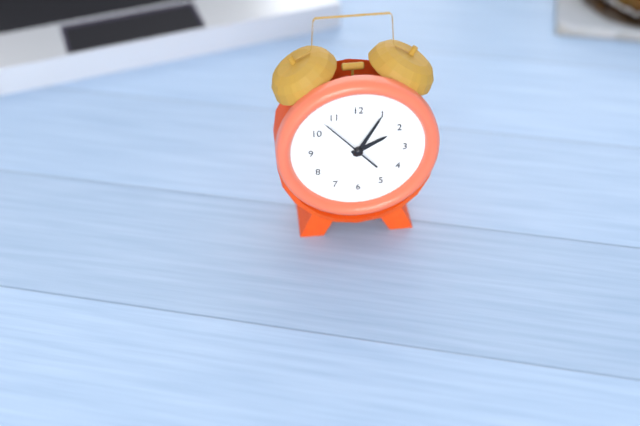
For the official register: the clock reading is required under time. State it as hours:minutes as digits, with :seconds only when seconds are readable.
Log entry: 2:05:53
